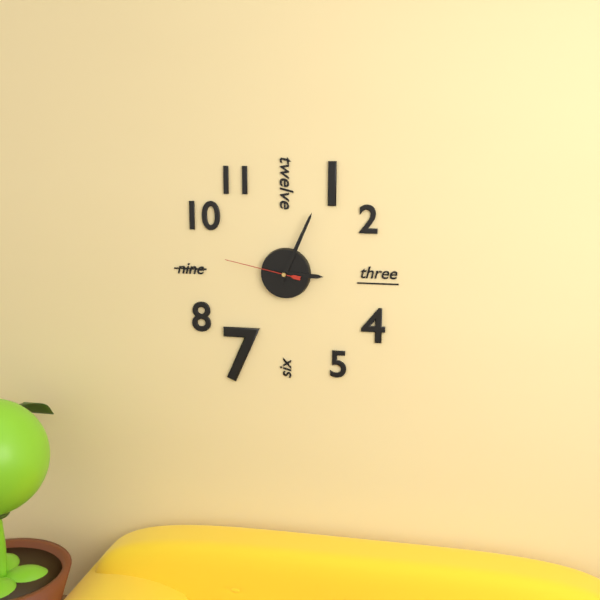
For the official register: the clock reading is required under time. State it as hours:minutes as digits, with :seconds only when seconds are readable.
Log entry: 3:04:47
